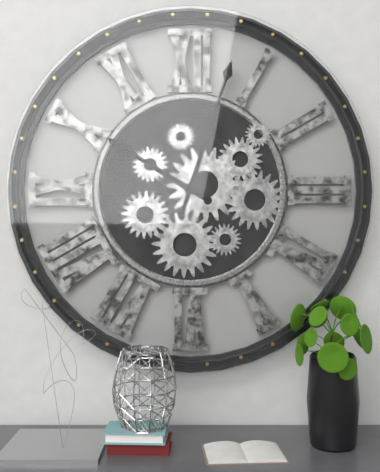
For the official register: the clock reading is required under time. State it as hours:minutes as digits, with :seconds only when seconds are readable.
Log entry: 10:03
